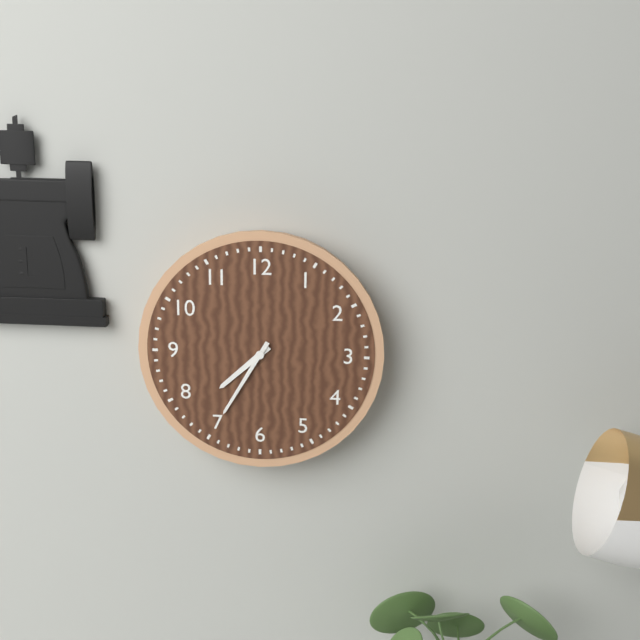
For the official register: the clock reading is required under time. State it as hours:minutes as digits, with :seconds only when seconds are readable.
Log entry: 7:35
